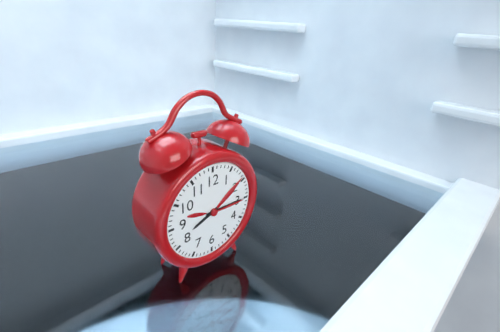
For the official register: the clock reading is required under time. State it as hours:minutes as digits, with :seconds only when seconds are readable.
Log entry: 8:15
